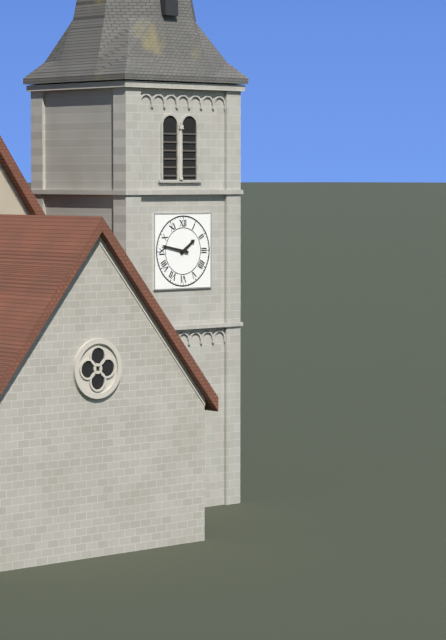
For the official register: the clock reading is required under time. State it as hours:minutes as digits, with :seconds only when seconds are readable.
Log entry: 1:47
